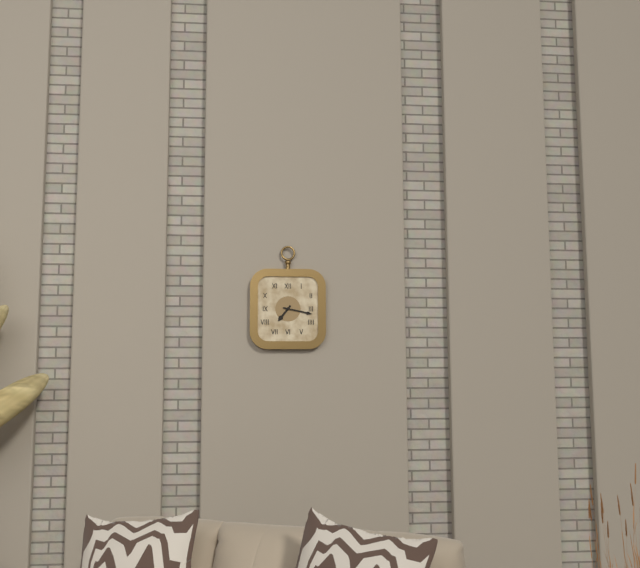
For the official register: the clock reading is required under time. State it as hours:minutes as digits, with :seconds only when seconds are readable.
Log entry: 7:17
